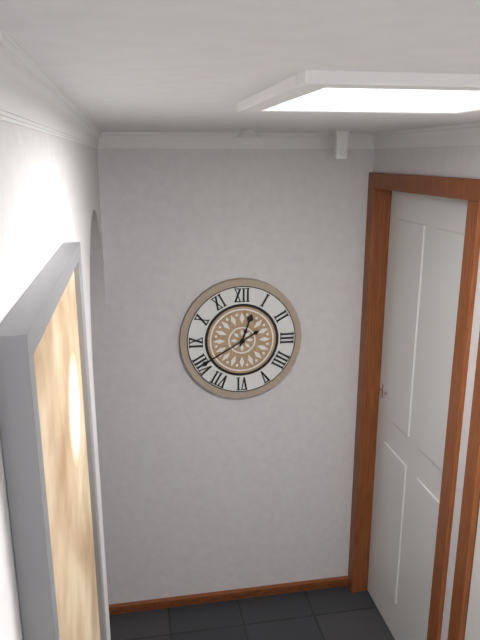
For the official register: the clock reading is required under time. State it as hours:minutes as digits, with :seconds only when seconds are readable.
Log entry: 12:40
